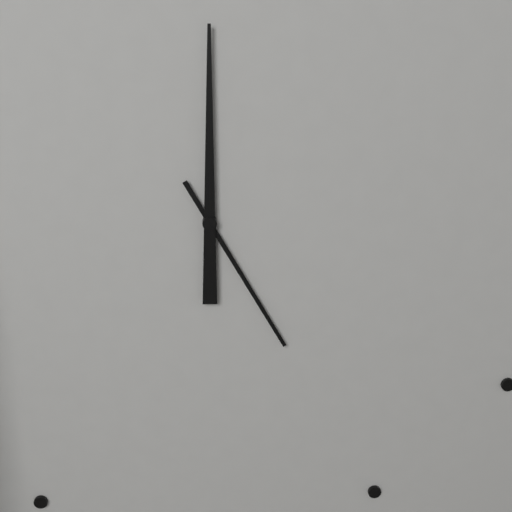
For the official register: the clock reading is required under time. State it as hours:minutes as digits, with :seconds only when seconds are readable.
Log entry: 5:00
